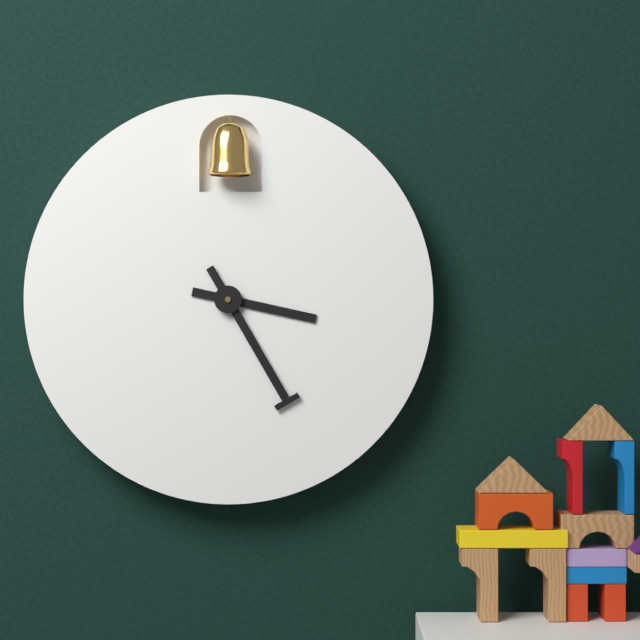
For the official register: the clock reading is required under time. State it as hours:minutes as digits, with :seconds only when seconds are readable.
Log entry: 3:25
